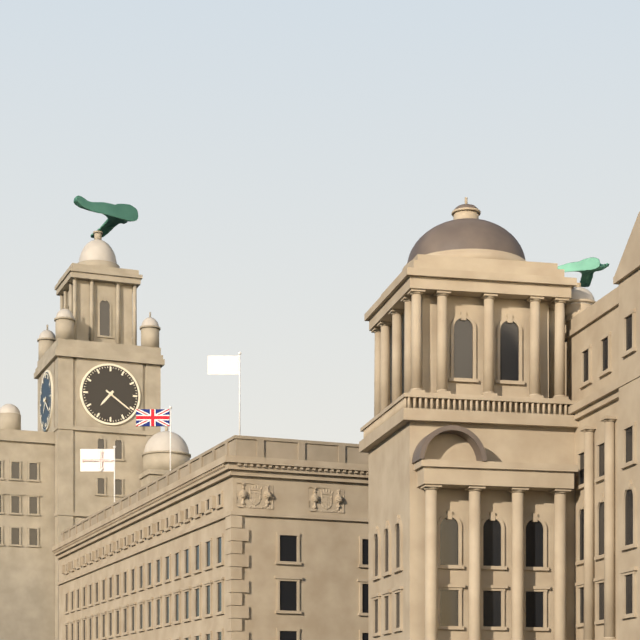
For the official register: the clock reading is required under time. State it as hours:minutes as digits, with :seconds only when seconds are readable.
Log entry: 7:21
